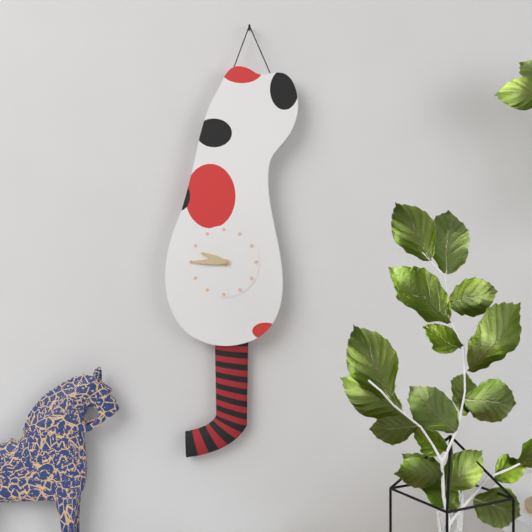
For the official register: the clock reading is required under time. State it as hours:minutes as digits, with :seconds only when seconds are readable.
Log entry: 9:45
